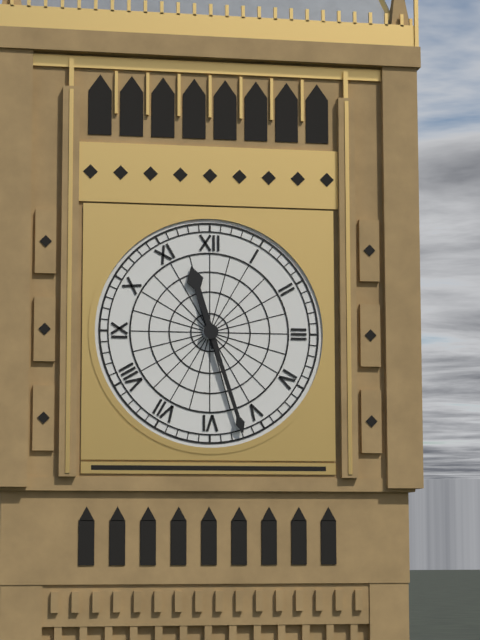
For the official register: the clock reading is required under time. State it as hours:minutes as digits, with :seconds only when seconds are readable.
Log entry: 11:27
